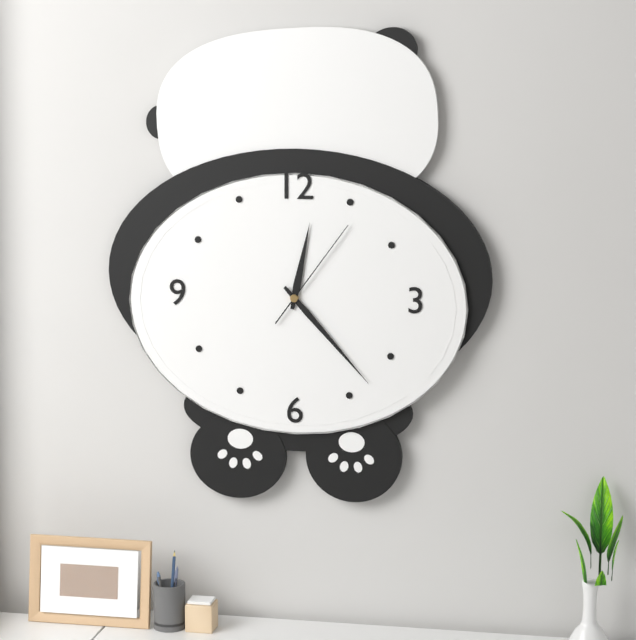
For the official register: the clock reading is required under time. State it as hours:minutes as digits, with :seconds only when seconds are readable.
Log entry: 12:23:06
